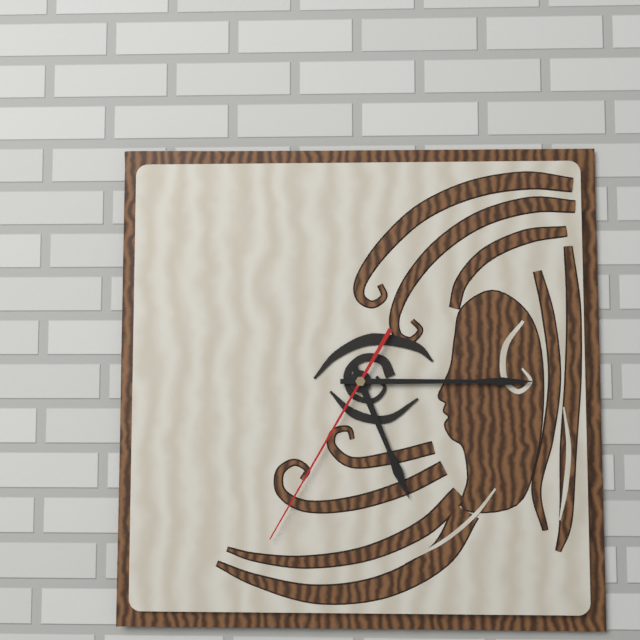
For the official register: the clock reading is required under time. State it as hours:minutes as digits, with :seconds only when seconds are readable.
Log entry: 5:15:35
